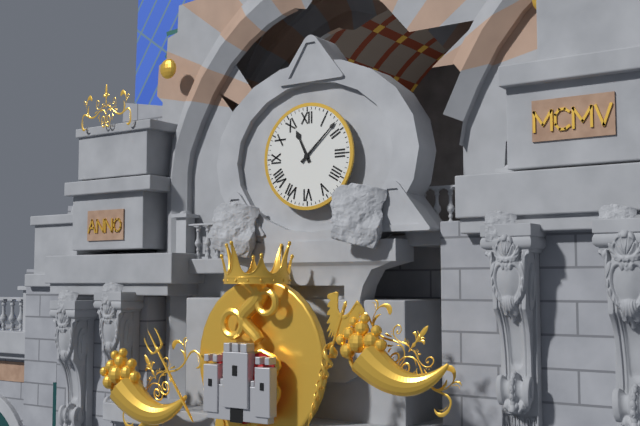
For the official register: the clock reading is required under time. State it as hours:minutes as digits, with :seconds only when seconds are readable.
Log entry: 11:08
